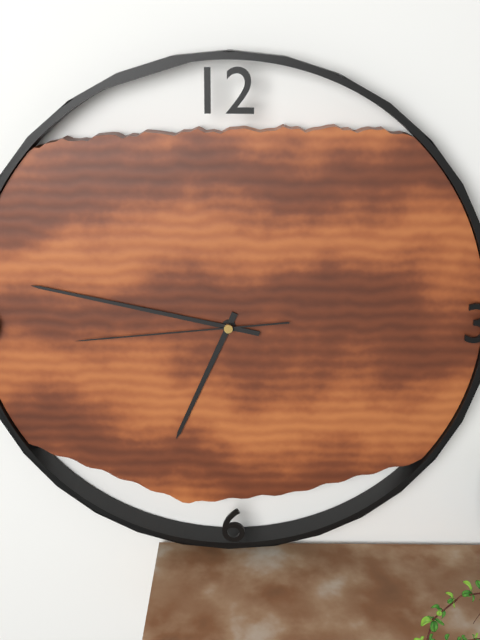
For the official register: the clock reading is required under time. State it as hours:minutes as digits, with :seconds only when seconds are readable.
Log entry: 6:47:44
